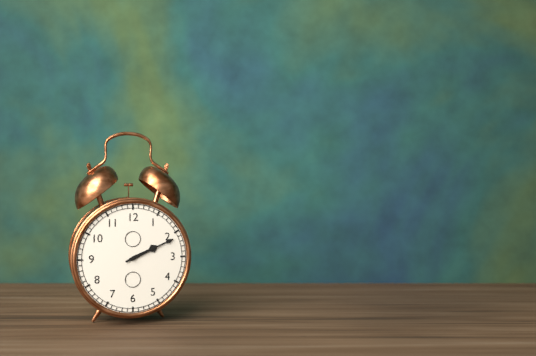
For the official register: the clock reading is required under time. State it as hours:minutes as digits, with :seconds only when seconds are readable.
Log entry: 2:11
